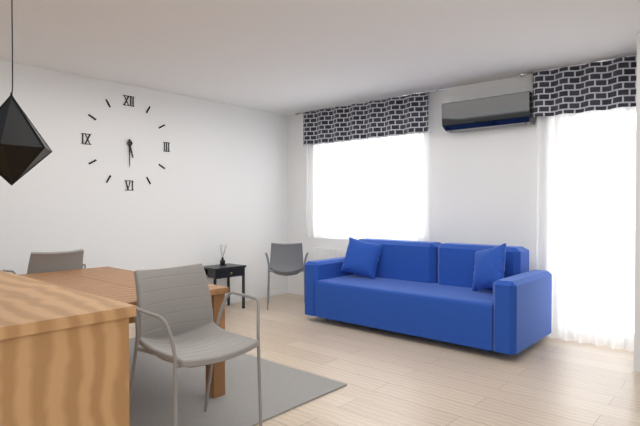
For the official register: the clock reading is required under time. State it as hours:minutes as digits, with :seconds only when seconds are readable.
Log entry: 5:30
